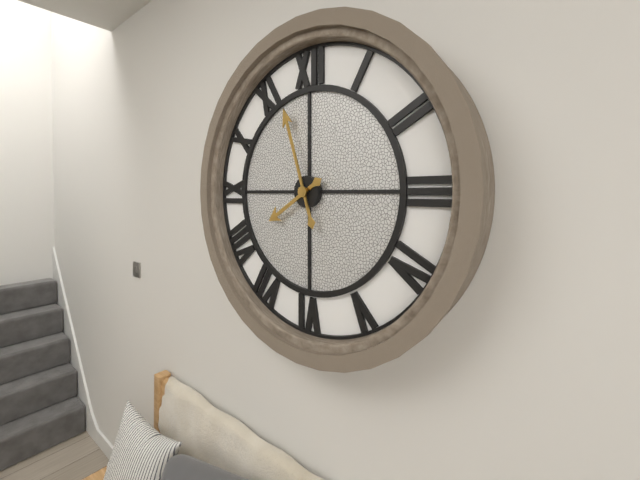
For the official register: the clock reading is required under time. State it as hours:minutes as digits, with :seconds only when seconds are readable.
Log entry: 7:57
